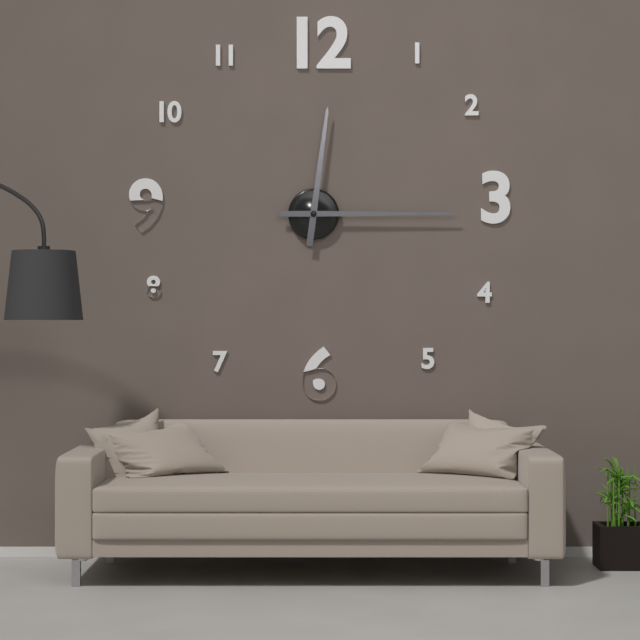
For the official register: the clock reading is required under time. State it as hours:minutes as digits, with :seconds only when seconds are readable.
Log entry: 12:15
